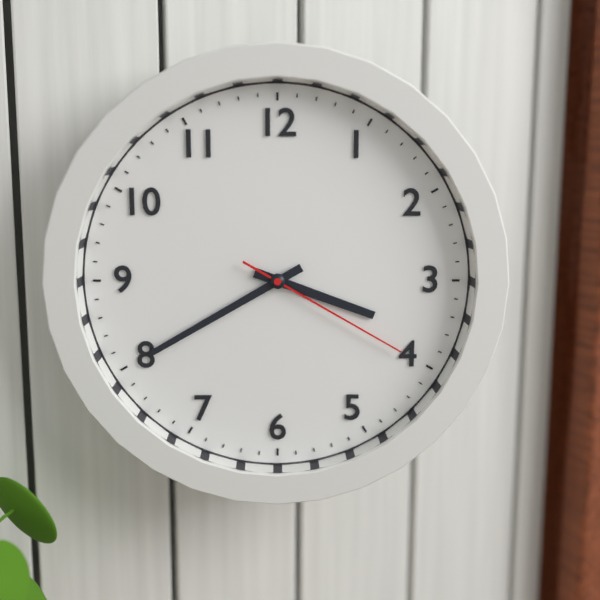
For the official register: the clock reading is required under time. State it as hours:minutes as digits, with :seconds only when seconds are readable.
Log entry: 3:40:20
